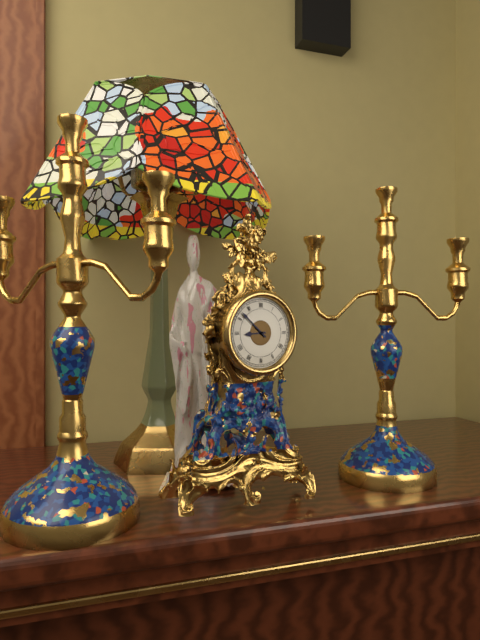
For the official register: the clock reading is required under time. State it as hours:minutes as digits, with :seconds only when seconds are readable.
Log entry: 8:52
